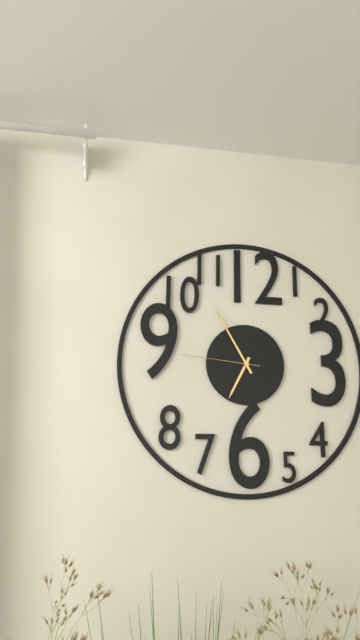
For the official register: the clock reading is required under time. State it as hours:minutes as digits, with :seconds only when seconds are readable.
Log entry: 6:55:46
